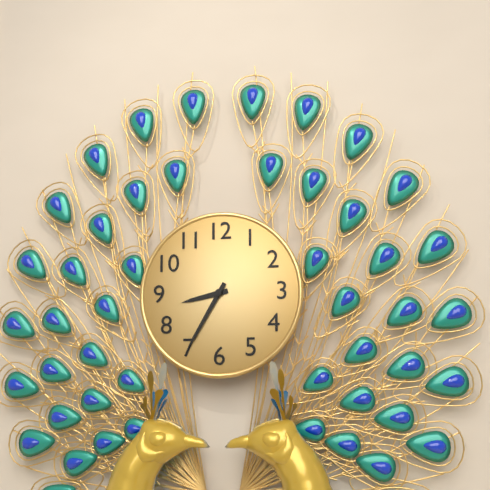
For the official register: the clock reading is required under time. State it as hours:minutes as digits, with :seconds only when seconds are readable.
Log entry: 8:35
